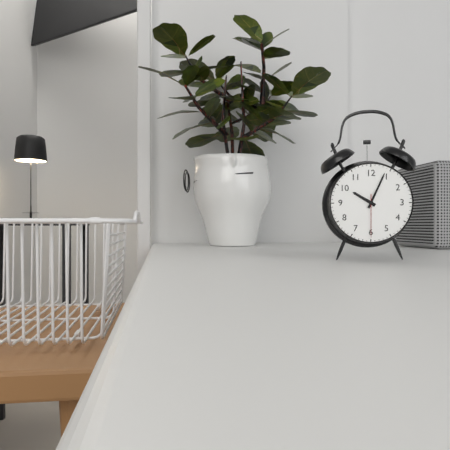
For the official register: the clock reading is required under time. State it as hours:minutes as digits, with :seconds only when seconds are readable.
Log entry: 10:04
